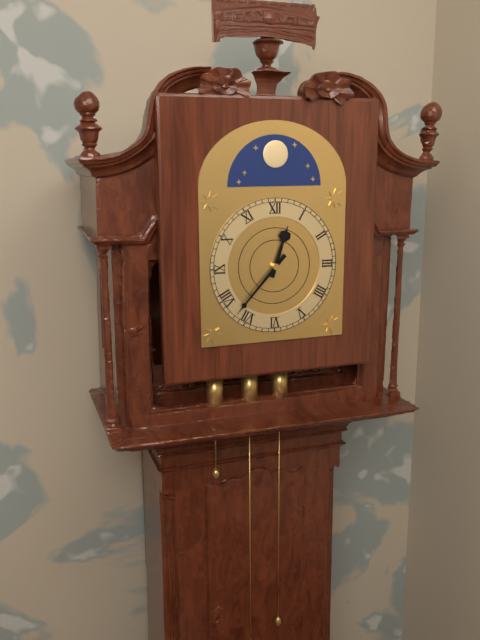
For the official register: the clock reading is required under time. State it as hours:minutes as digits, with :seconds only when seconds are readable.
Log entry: 12:37
